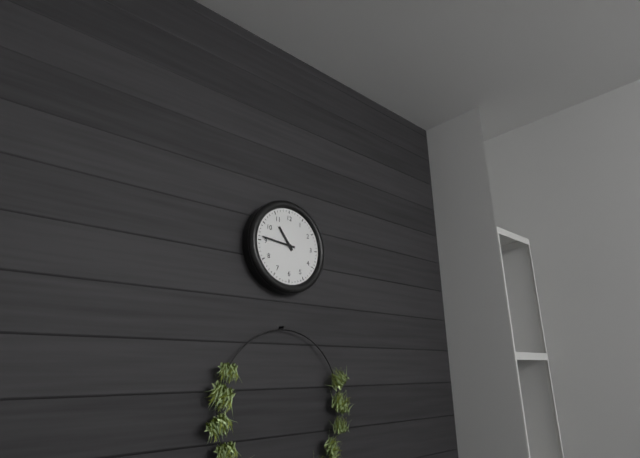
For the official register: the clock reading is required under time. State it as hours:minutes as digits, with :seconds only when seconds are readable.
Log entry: 10:46
